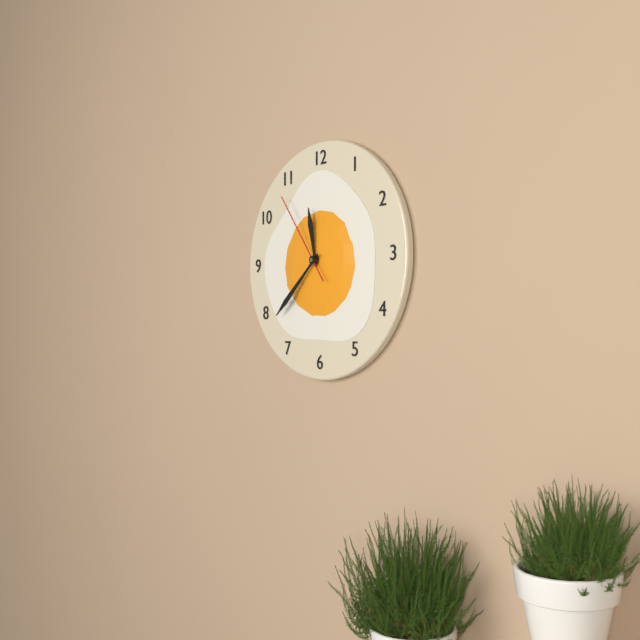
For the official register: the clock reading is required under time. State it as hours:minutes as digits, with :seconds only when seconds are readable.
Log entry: 11:38:54
